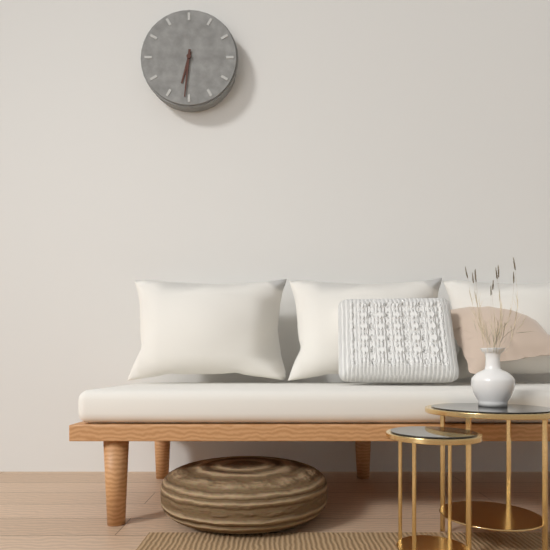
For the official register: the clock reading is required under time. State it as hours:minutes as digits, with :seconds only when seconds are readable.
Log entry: 6:31
